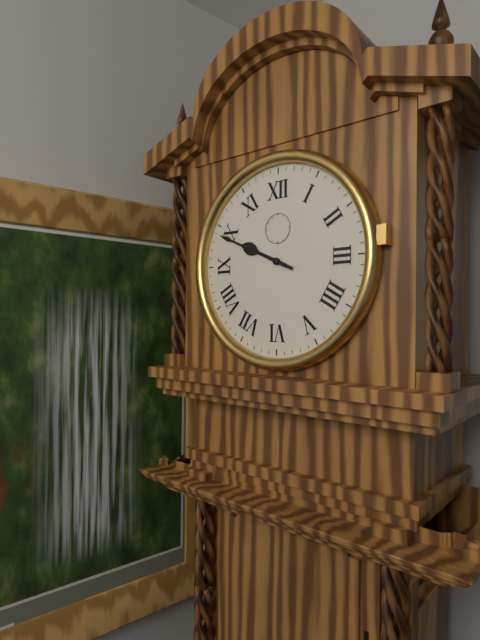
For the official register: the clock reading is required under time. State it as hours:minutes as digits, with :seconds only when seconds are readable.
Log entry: 9:49
